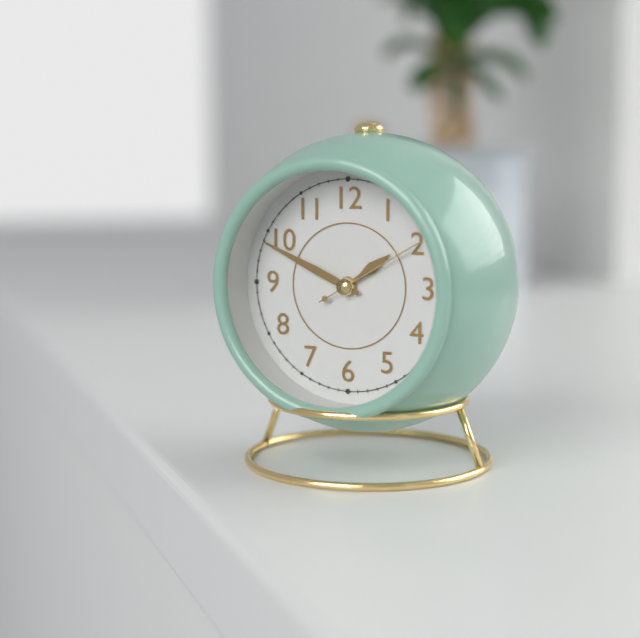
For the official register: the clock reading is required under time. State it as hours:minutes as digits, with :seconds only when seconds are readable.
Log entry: 1:49:10
